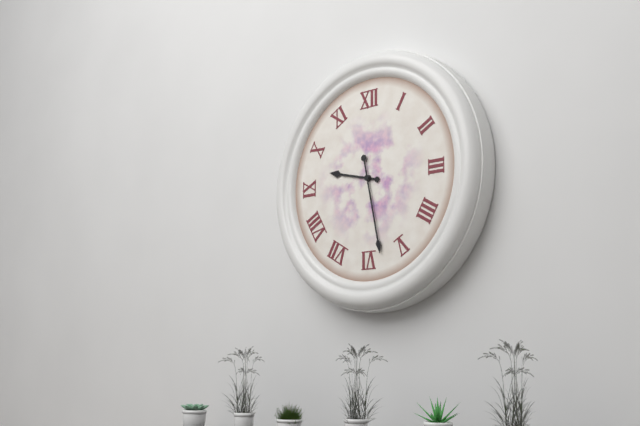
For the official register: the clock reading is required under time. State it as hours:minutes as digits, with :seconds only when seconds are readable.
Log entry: 9:28
